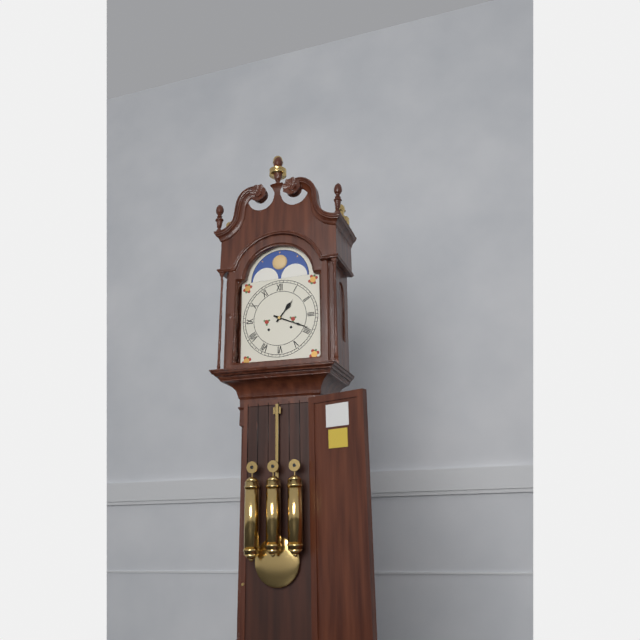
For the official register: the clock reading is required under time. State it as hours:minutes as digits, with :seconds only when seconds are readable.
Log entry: 1:19
